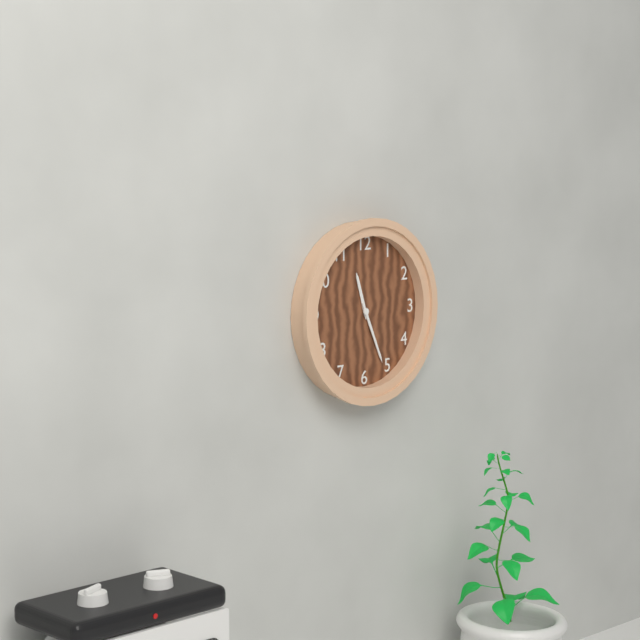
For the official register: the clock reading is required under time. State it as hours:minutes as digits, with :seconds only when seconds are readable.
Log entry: 11:26
